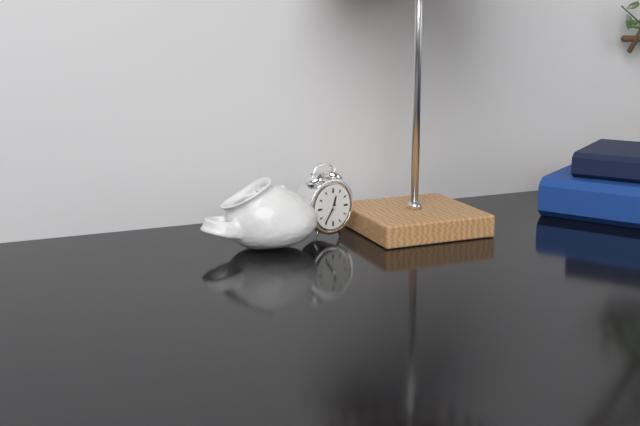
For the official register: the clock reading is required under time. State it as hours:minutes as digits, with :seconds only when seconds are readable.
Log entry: 12:36
